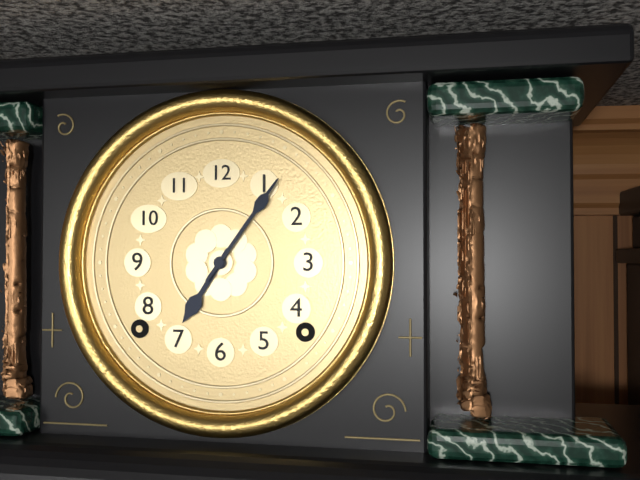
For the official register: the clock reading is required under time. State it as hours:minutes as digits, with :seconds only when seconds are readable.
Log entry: 7:06
